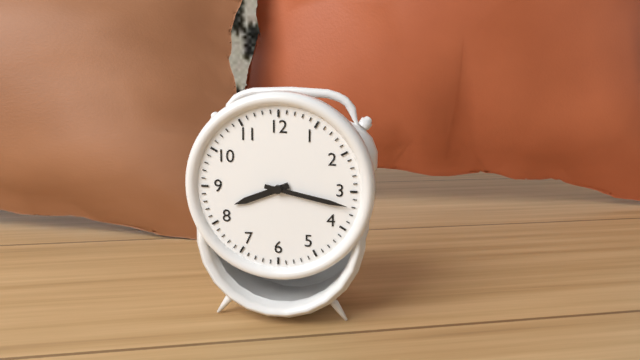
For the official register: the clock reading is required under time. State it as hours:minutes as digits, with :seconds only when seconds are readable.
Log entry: 8:17
